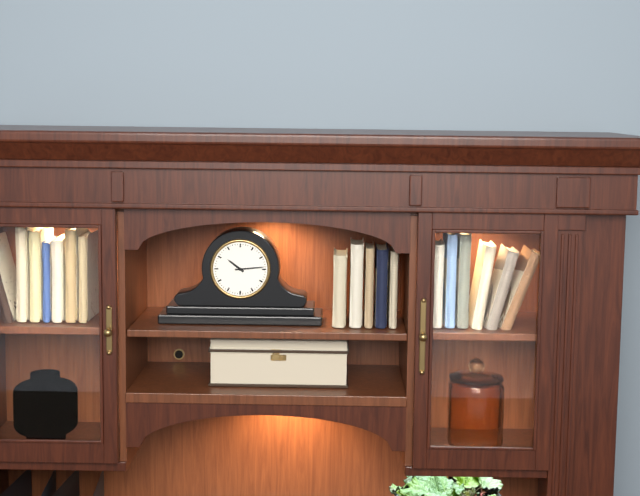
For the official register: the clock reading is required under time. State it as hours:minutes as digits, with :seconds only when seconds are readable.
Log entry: 10:14
